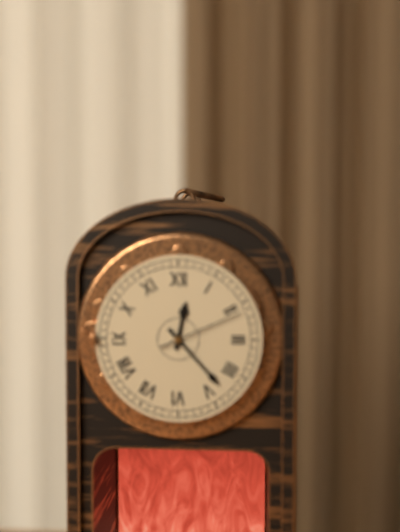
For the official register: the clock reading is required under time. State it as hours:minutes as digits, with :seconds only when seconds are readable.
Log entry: 12:23:11
